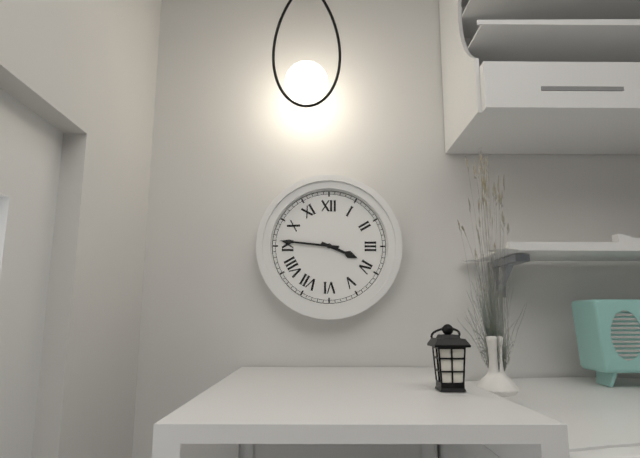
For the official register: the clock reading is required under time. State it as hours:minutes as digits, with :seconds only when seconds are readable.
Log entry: 3:46
